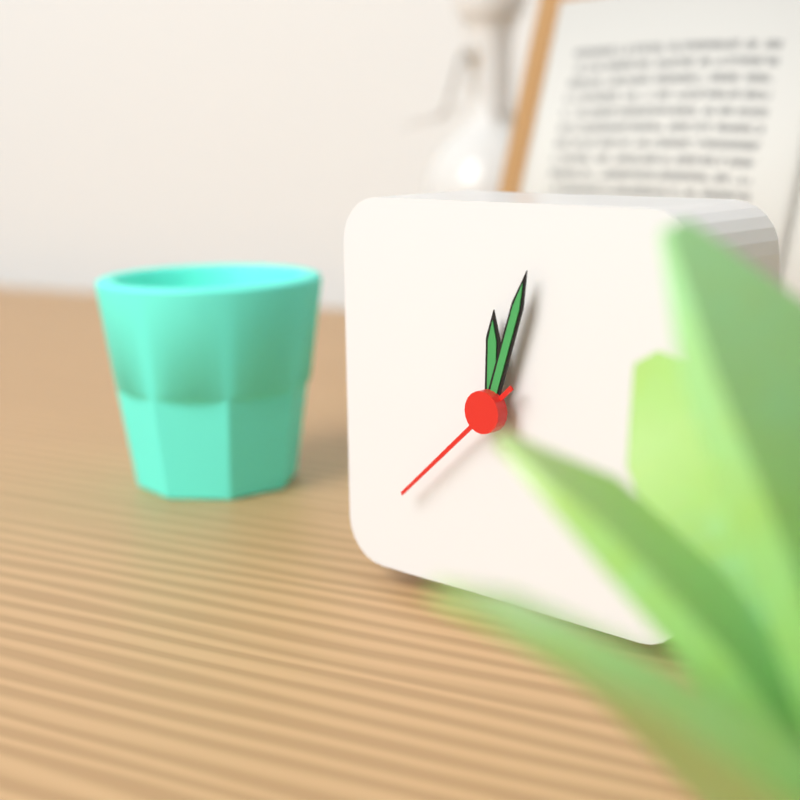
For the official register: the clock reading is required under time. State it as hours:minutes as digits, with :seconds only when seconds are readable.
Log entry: 12:03:38
